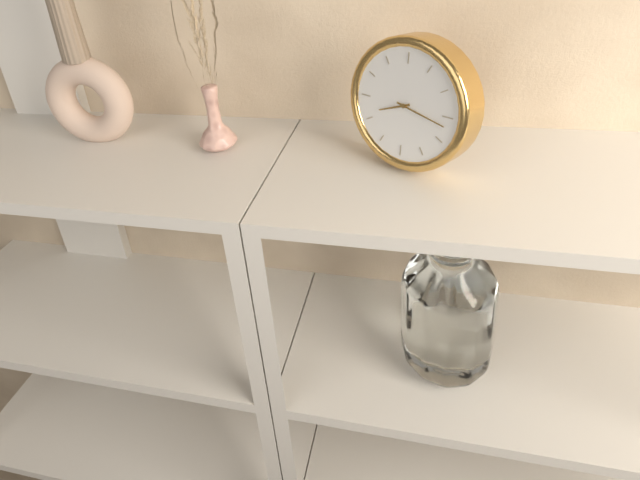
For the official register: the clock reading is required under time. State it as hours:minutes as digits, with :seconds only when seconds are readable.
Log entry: 8:17
